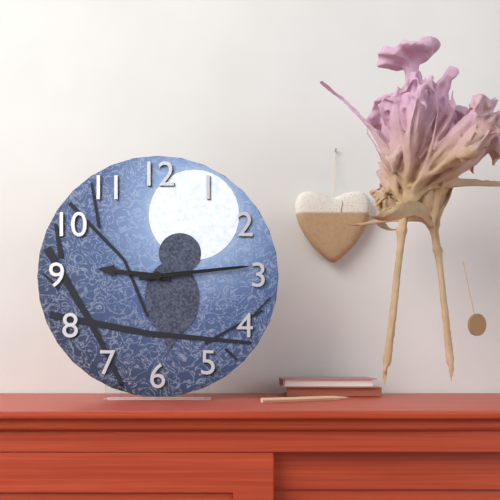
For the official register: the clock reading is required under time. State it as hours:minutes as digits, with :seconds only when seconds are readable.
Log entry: 9:14
